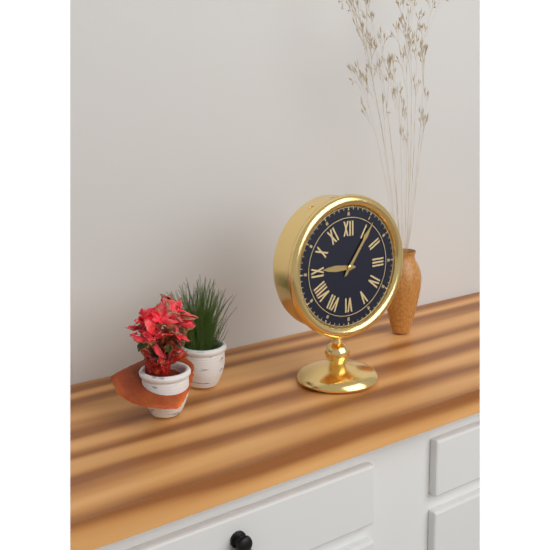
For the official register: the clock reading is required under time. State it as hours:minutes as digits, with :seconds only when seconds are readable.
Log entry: 9:06
